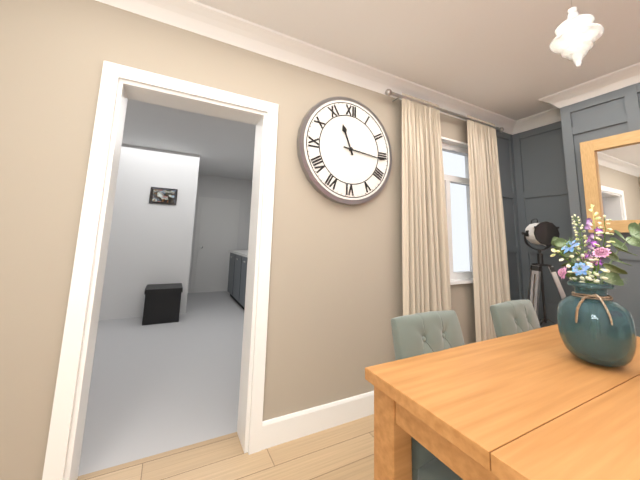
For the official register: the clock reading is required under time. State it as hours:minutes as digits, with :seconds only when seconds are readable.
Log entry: 11:16
